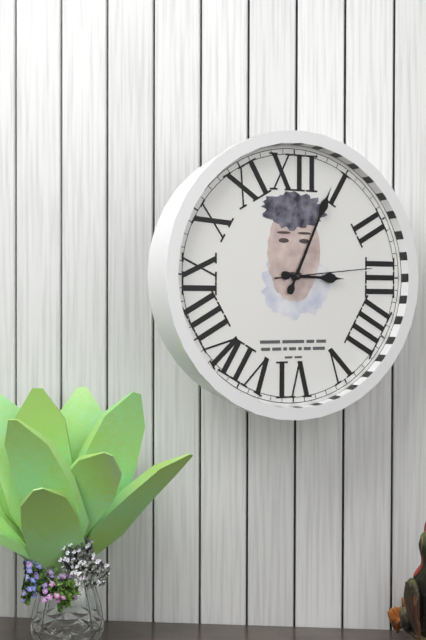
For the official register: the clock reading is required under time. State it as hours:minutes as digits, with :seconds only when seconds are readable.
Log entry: 3:04:14
